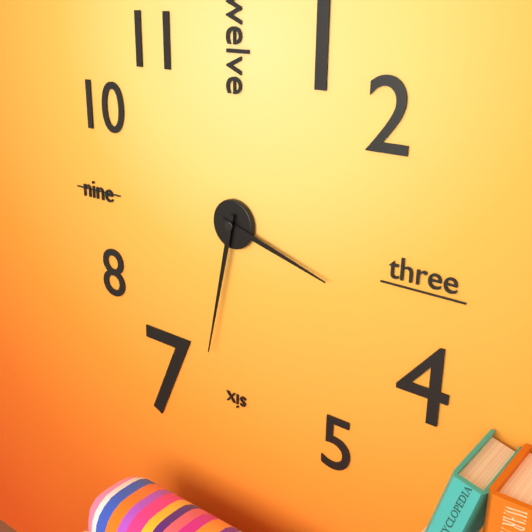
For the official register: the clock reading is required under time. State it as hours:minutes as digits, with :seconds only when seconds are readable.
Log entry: 3:32
